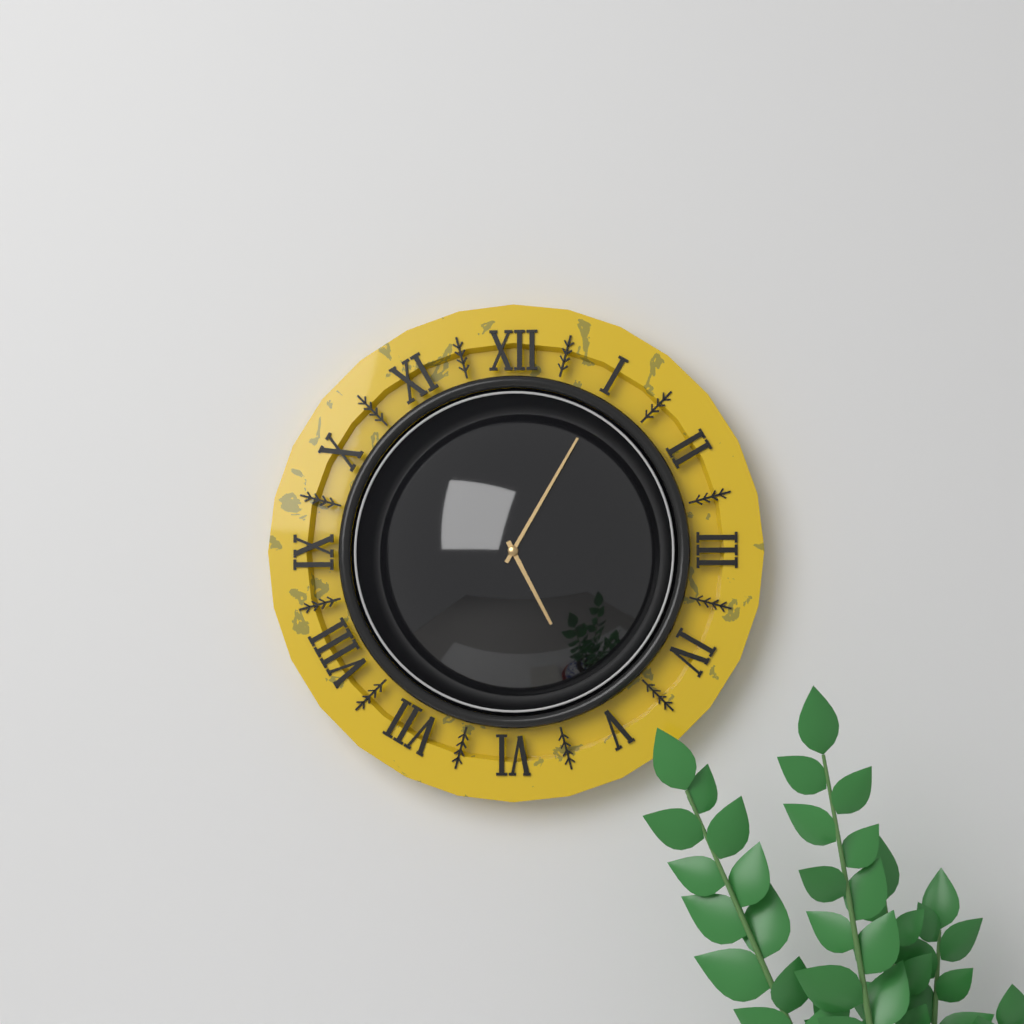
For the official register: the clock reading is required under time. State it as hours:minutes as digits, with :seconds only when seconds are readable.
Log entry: 5:05
